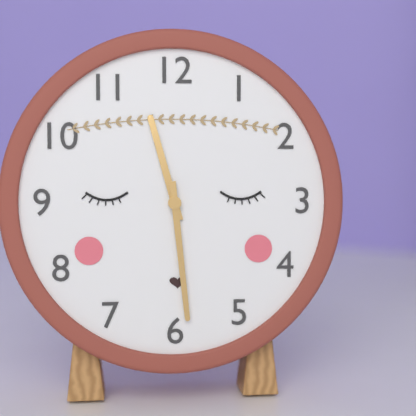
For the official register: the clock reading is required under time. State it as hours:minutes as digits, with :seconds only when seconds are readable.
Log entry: 11:29
